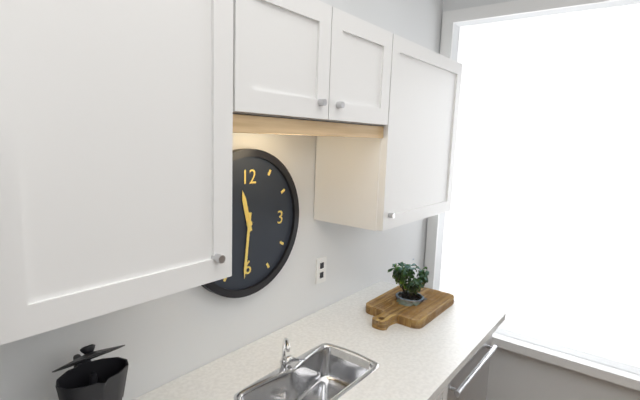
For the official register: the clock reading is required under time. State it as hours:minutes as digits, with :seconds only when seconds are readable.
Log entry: 11:31
